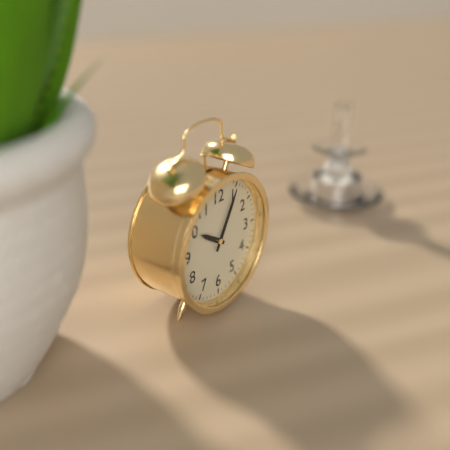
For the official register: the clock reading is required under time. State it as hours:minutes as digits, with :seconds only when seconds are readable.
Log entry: 10:05
